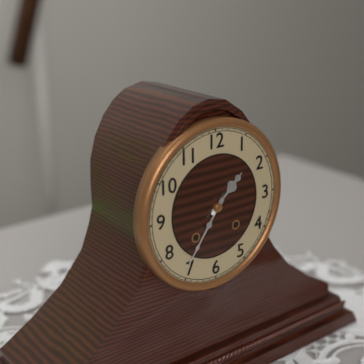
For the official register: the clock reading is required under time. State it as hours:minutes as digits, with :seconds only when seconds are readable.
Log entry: 1:36
